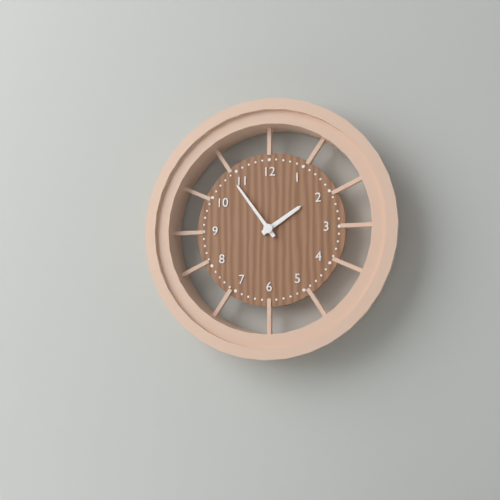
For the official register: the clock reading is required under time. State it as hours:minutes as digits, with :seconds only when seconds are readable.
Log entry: 1:54
